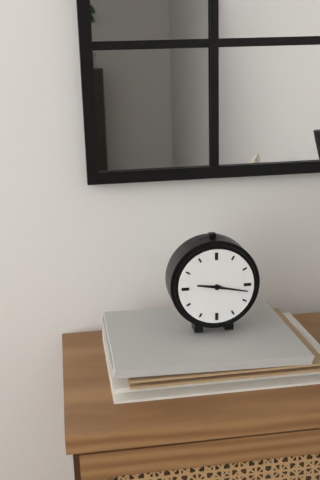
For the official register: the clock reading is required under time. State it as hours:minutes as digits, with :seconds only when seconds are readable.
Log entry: 9:17
